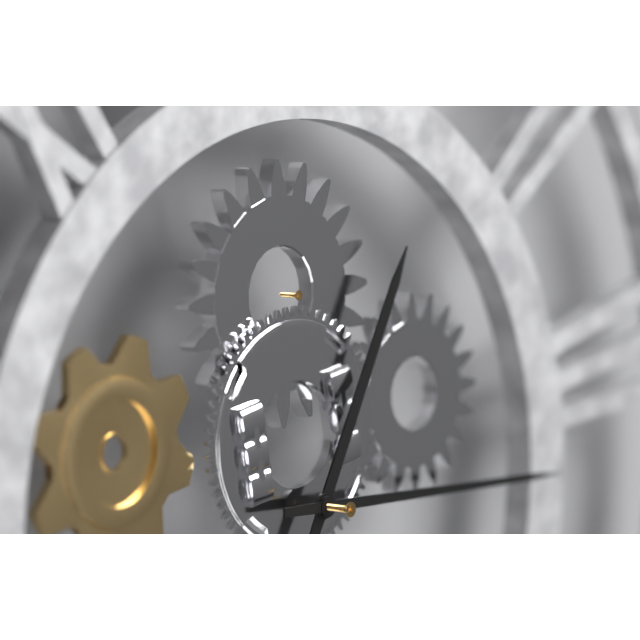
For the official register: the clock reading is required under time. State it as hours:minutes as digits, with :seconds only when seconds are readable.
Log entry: 1:17
